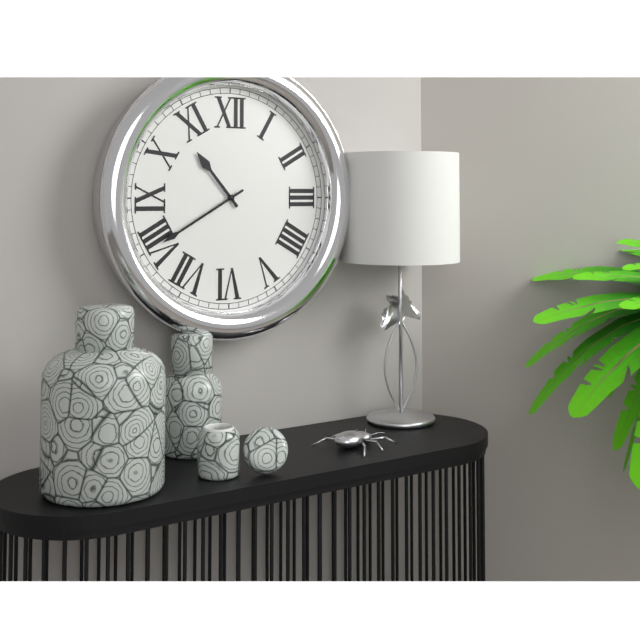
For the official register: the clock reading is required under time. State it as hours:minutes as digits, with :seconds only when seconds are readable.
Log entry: 10:40
